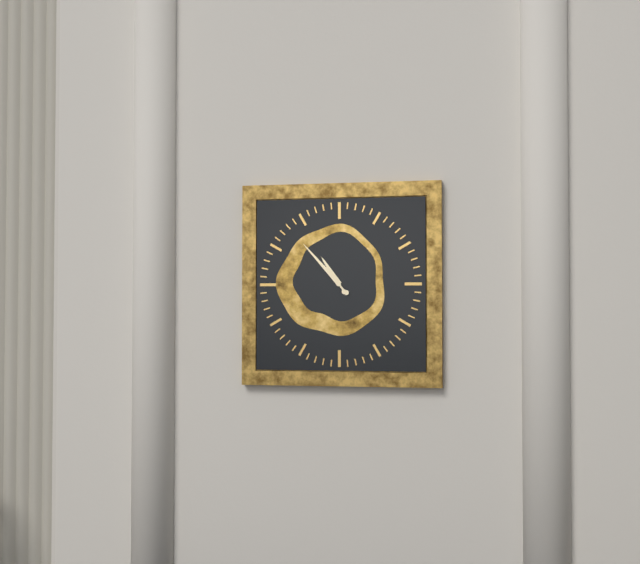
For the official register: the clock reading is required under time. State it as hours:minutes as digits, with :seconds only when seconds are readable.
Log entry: 10:53
